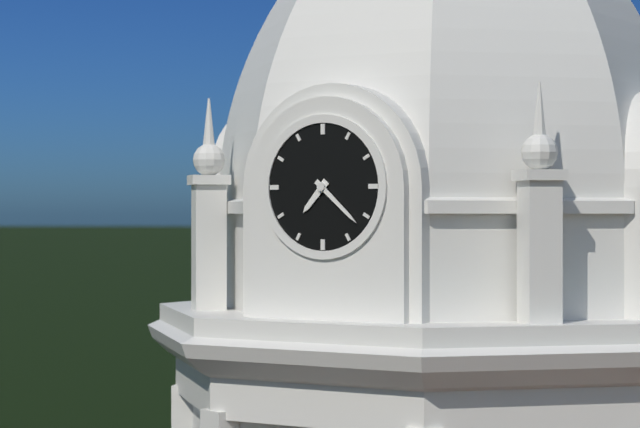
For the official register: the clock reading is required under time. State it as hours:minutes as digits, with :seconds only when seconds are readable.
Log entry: 7:22
